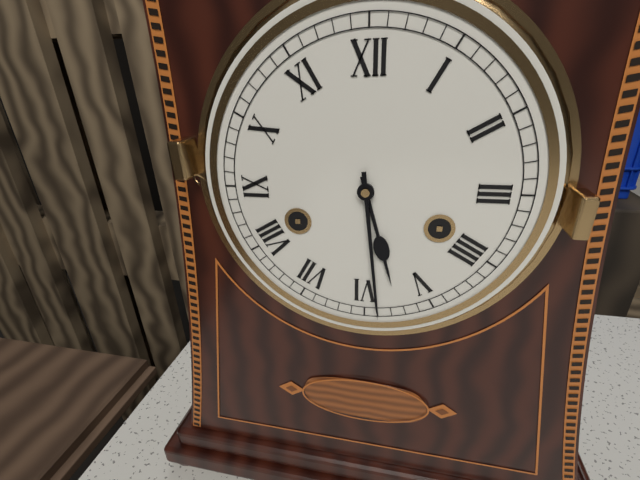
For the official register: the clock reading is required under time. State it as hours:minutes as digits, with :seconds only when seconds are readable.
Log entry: 5:29
